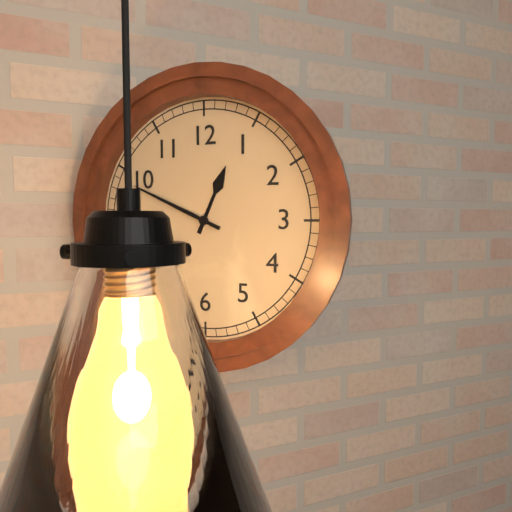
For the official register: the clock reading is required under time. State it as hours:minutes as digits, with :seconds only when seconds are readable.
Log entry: 12:49
